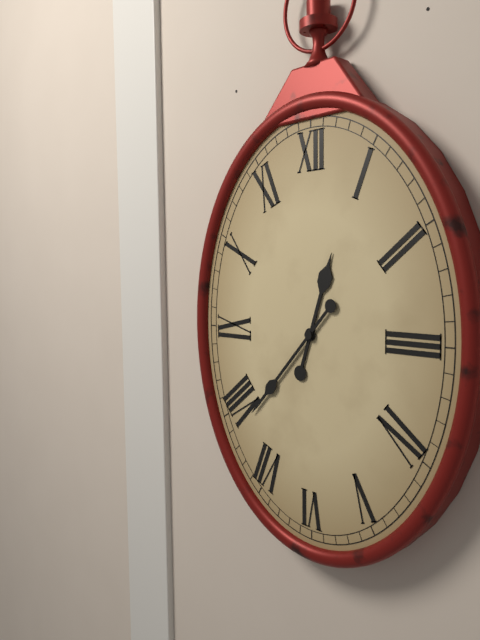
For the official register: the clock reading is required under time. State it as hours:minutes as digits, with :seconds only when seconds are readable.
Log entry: 12:37
